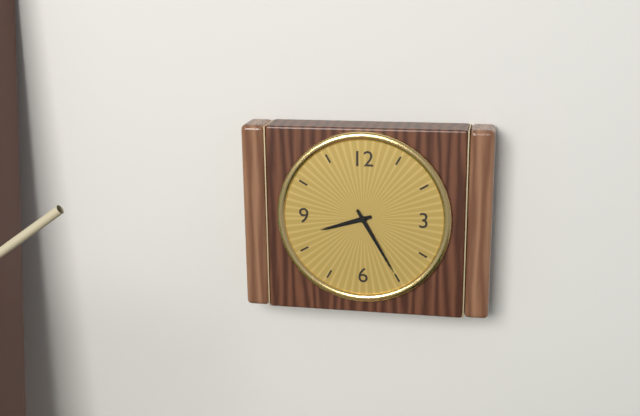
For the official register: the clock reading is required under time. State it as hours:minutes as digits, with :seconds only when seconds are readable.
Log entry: 8:25
